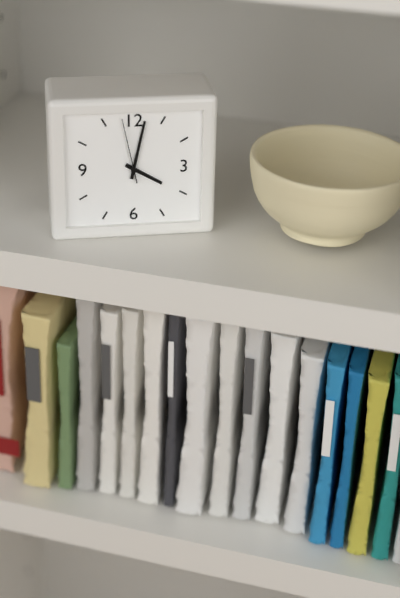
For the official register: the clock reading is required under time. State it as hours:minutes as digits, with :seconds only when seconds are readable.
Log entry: 4:02:58
